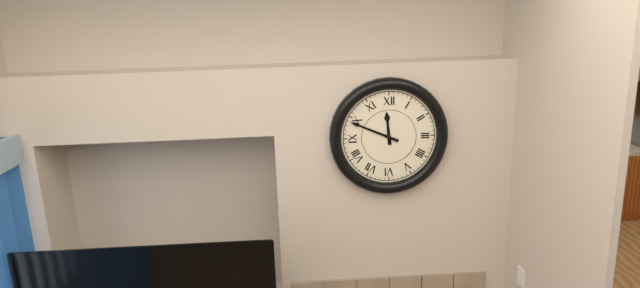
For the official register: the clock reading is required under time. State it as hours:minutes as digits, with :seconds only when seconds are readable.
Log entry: 11:49
